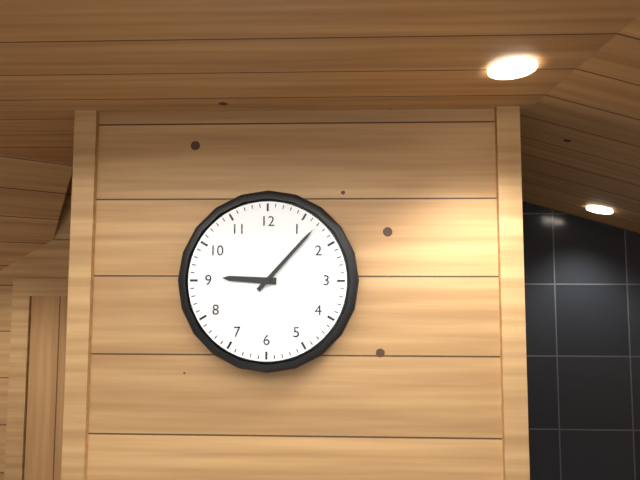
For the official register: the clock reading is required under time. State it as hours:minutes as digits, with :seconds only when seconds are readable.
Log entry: 9:07
